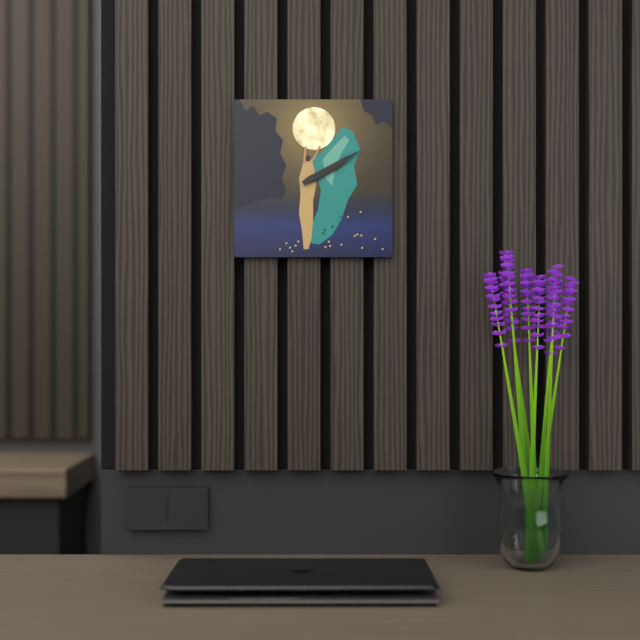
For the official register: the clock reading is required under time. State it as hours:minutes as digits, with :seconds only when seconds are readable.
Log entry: 2:10
